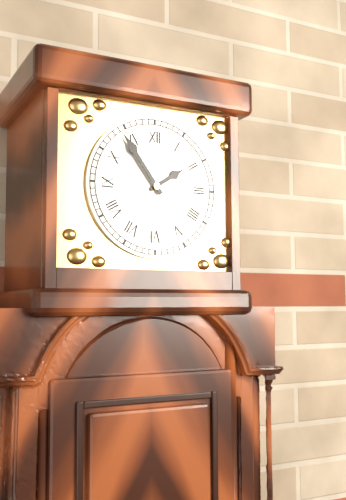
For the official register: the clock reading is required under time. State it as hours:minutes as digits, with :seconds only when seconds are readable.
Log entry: 1:54
